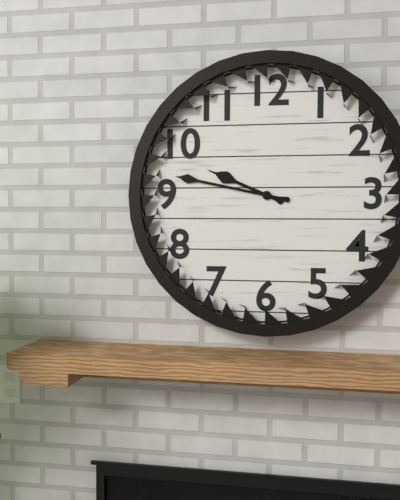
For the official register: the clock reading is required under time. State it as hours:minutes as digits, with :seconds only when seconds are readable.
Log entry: 9:47
